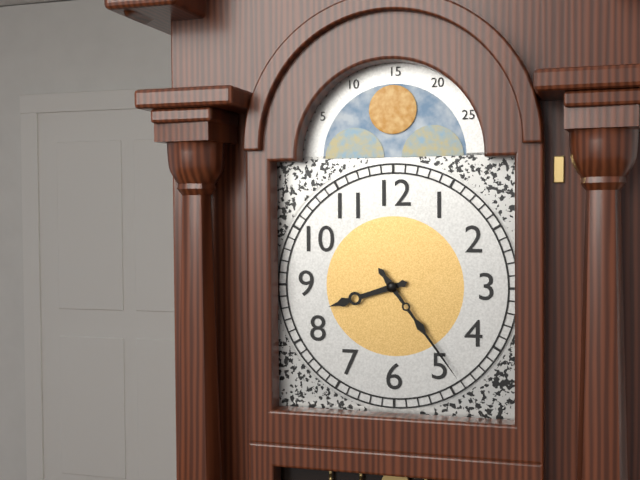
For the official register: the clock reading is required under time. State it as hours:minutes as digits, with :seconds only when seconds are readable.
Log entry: 8:24
